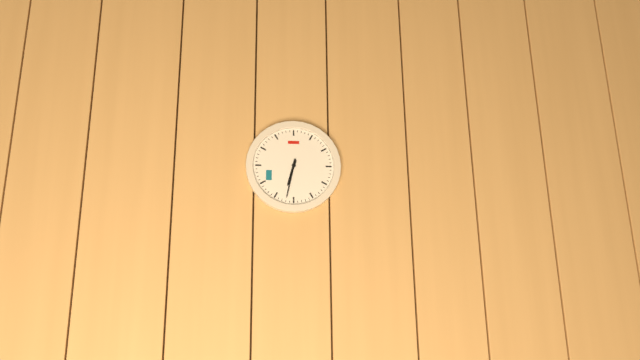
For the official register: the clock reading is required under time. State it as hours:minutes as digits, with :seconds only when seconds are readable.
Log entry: 6:32
